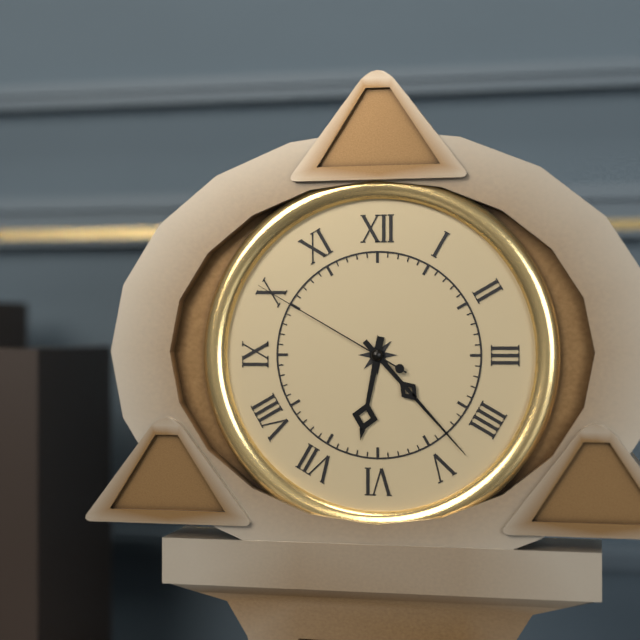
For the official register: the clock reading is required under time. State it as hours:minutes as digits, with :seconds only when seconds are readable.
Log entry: 6:23:50
